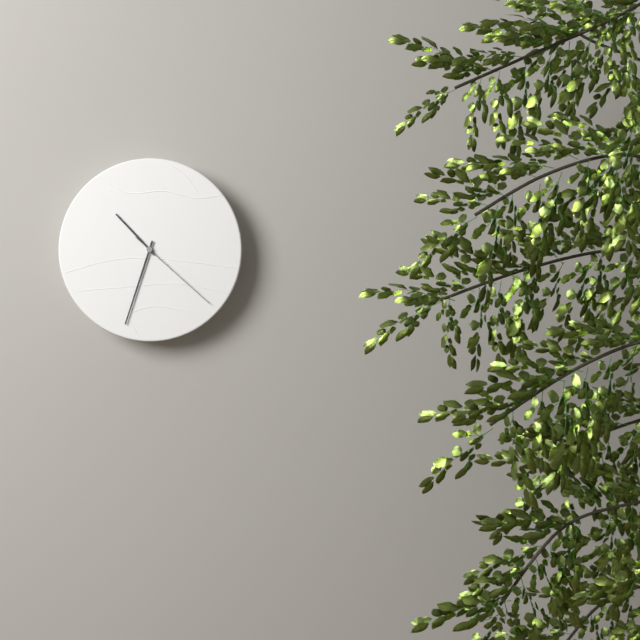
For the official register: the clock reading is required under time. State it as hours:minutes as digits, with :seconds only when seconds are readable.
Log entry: 10:33:22
